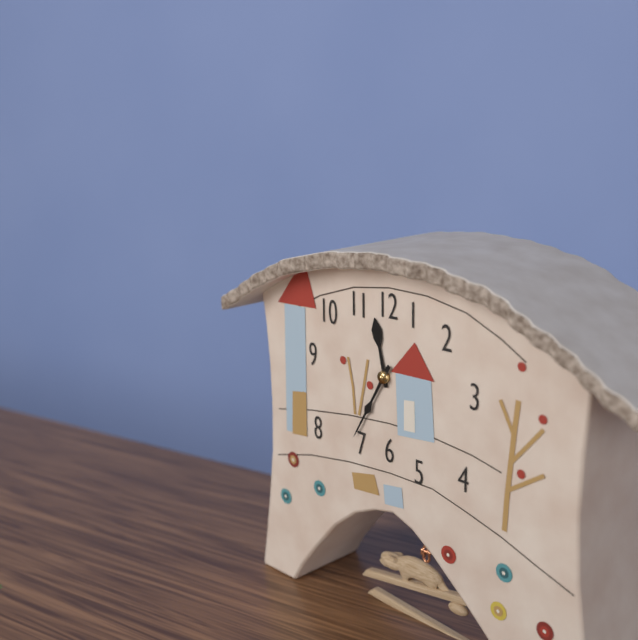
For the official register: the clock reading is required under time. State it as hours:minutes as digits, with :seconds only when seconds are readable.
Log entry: 11:35
